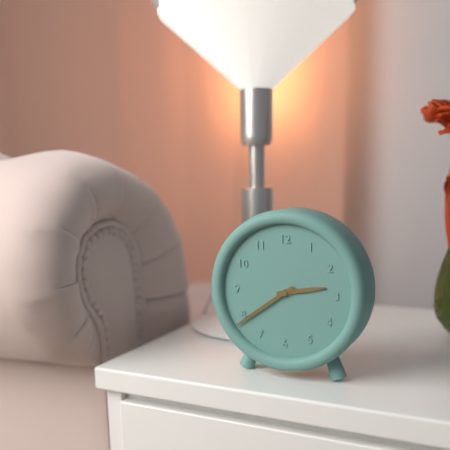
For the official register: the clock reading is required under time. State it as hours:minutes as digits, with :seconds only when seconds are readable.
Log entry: 2:39
